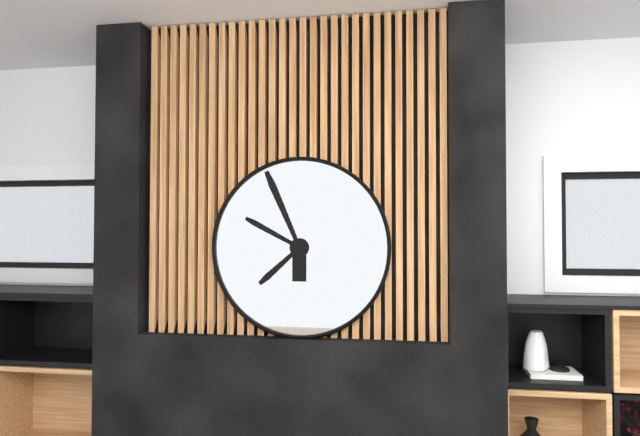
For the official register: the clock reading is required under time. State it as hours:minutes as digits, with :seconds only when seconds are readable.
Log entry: 9:56:38
